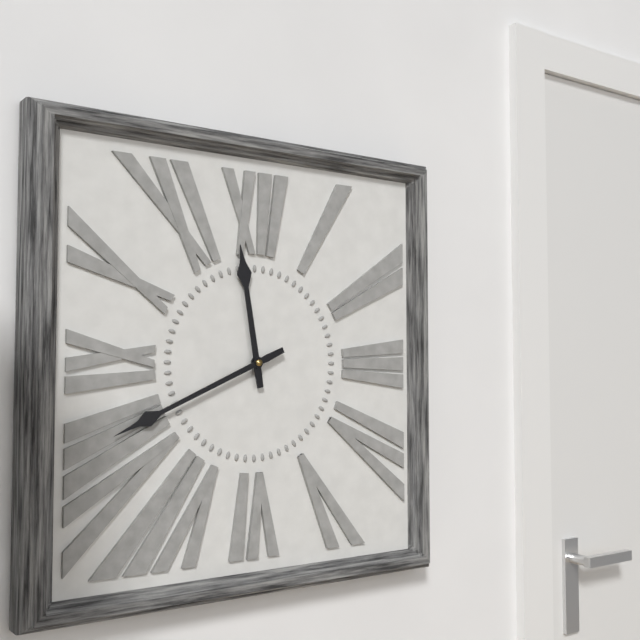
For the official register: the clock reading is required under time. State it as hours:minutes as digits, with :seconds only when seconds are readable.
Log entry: 11:41
